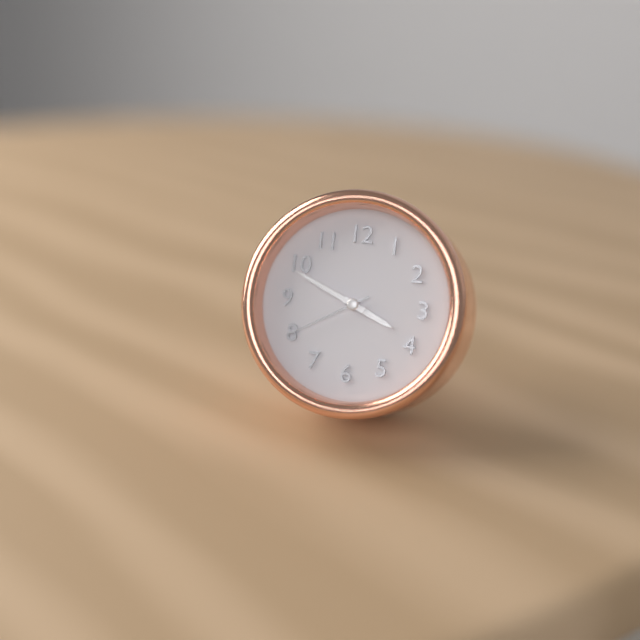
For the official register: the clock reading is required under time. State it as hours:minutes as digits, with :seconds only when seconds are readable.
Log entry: 3:49:40
